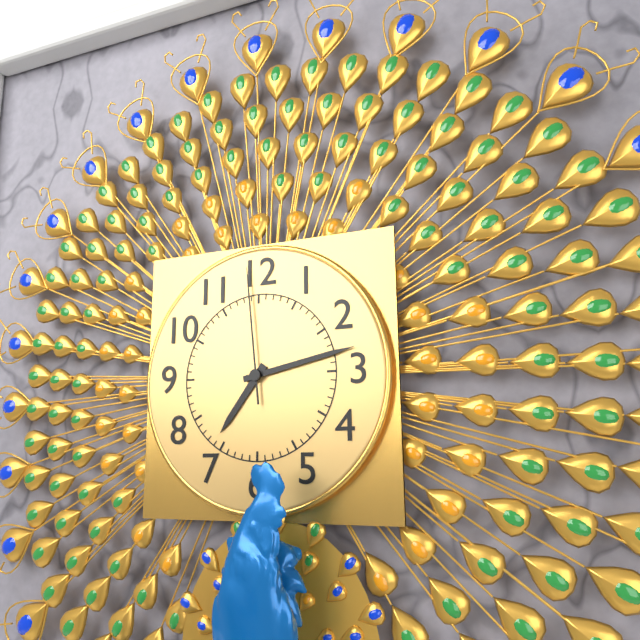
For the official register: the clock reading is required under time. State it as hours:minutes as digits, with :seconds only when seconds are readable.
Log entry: 7:13:59
